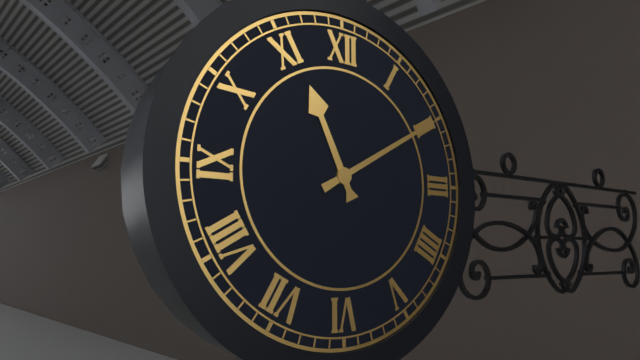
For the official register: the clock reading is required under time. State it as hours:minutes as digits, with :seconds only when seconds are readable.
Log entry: 11:10
